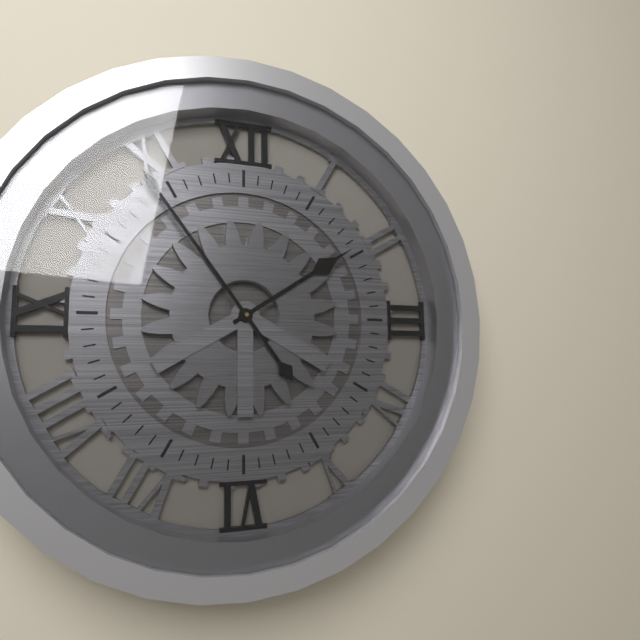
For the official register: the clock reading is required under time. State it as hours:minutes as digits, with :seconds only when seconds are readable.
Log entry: 1:54
